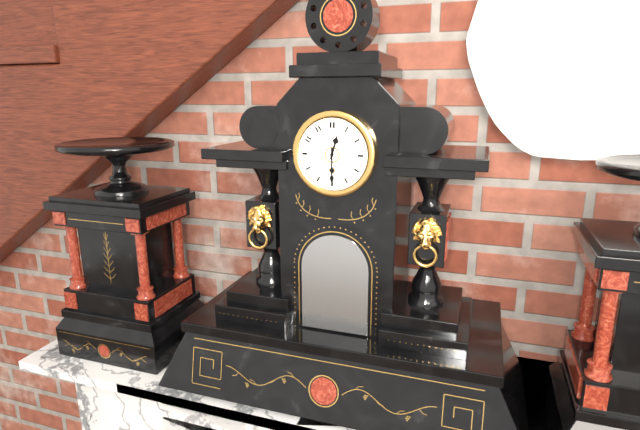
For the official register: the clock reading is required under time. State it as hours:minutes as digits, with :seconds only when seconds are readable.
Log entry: 12:30
